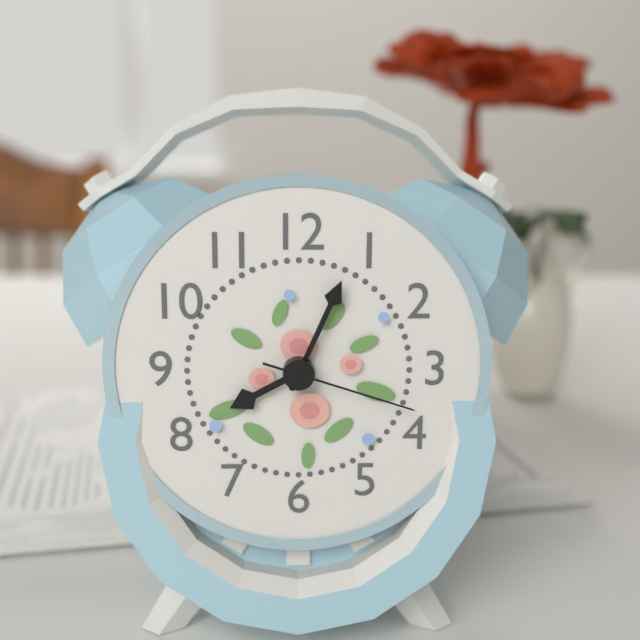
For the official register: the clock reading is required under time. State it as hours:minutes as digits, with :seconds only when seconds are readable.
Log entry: 8:04:18
